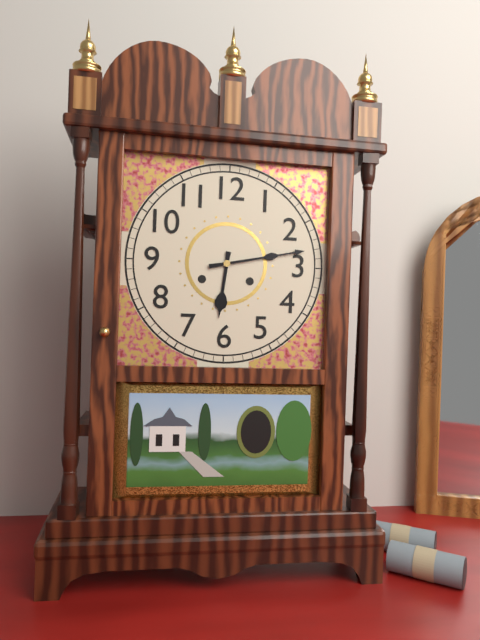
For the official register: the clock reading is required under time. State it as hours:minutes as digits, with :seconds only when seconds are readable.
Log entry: 6:13
